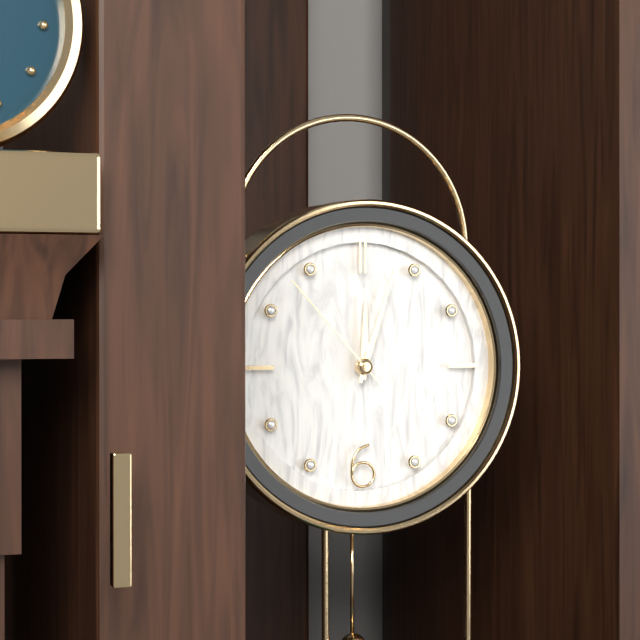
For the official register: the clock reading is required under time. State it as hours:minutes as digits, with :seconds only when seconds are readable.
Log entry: 12:03:53
